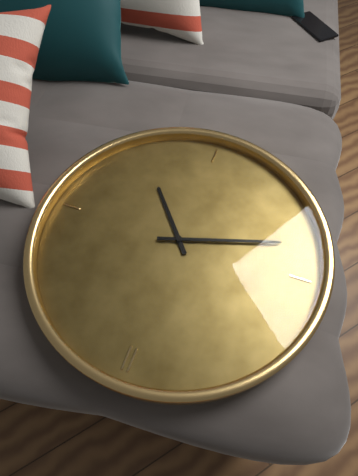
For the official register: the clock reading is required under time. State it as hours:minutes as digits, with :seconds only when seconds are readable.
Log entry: 4:42
